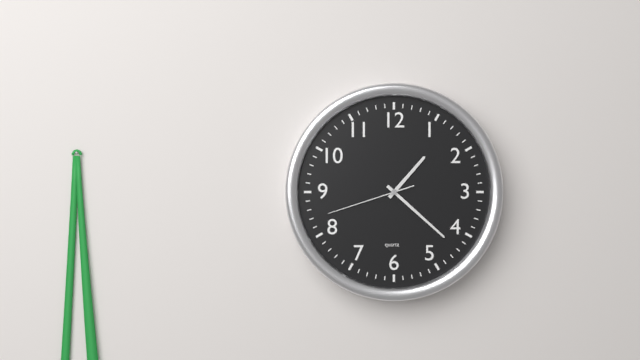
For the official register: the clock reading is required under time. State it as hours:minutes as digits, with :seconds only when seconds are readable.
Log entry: 1:22:42
